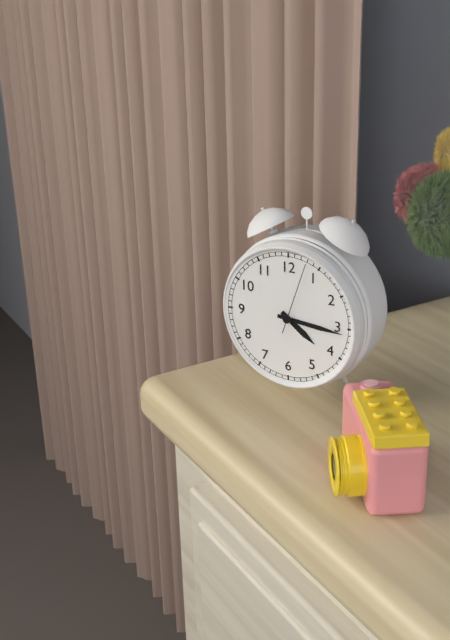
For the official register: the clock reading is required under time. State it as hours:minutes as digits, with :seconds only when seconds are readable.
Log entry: 4:16:03
